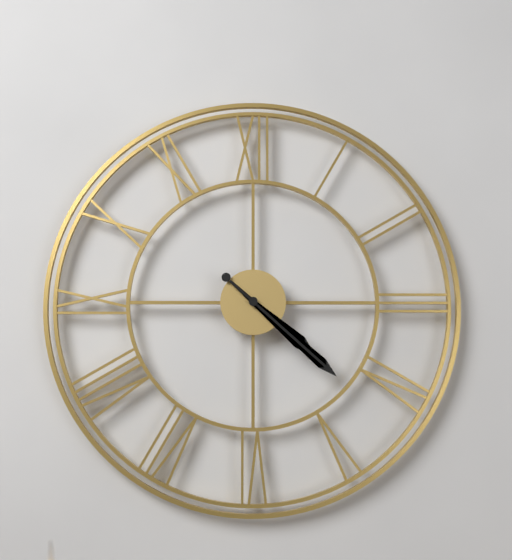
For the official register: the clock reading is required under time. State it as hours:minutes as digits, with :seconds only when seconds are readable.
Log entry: 4:22
